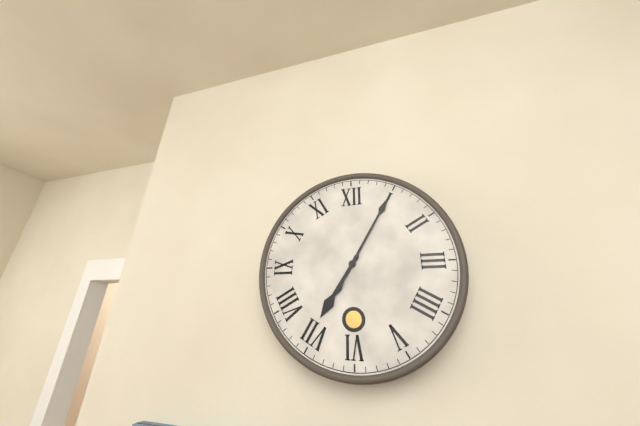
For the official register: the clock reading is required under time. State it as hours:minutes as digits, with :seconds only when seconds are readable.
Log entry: 7:05
